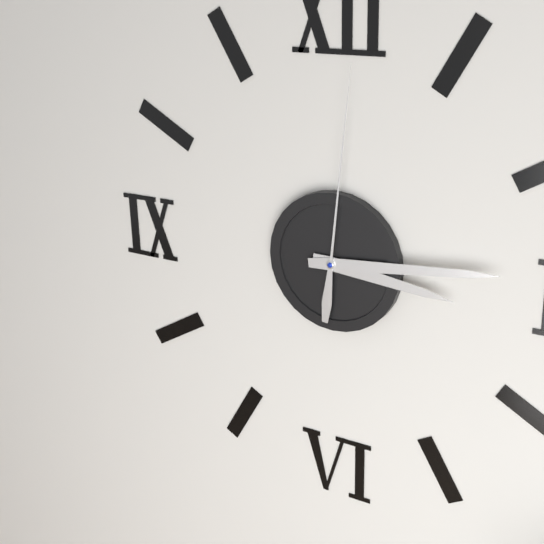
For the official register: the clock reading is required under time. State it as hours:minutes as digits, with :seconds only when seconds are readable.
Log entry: 3:14:01
